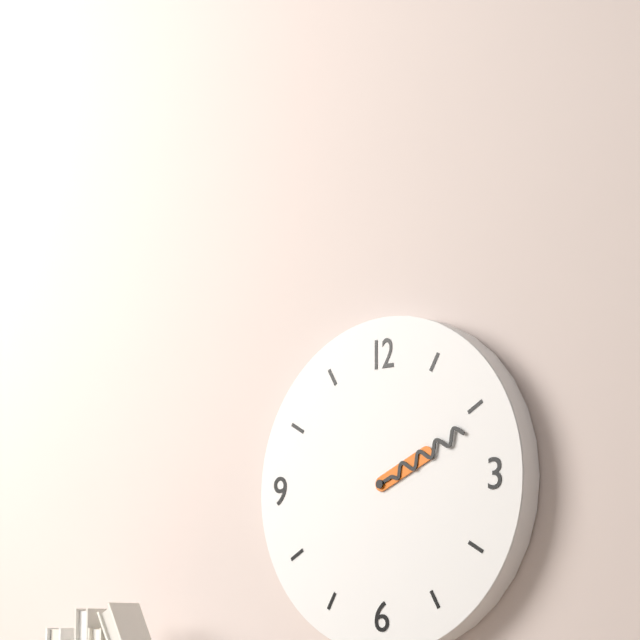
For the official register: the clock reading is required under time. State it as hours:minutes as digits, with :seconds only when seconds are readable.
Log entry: 2:11
